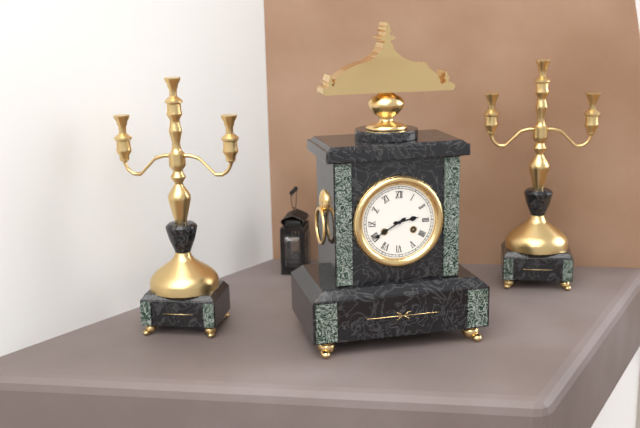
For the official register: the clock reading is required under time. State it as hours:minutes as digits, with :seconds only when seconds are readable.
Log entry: 2:40
